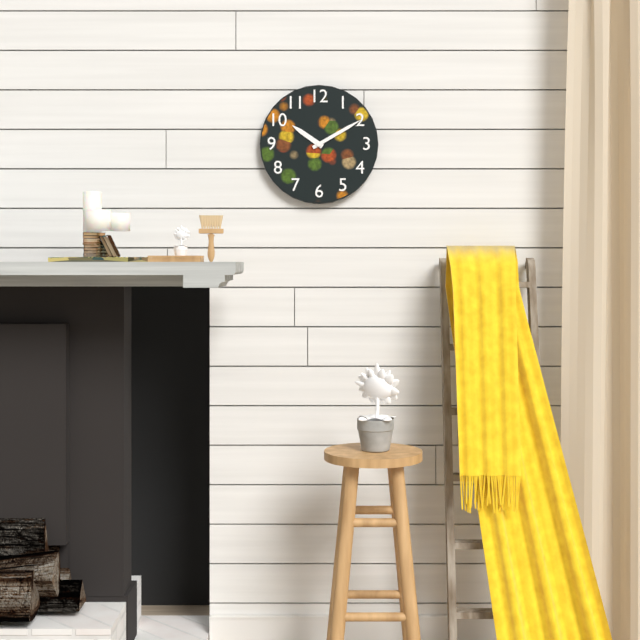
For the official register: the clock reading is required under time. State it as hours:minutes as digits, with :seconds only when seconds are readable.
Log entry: 10:10
